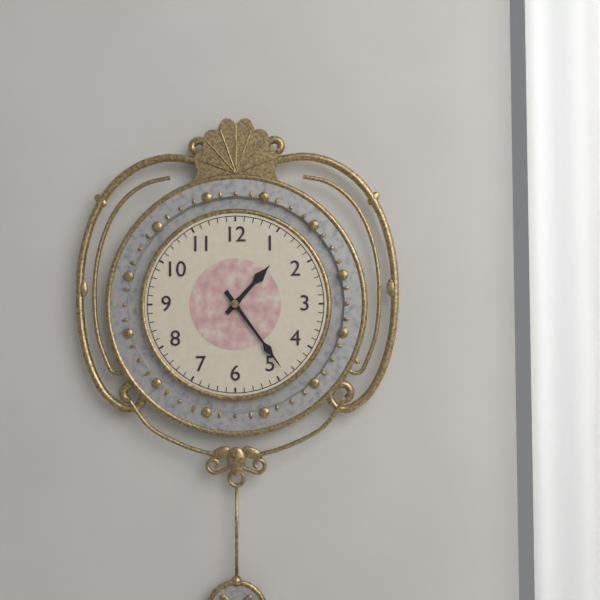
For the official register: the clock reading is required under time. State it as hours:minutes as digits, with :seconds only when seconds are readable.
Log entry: 1:24
